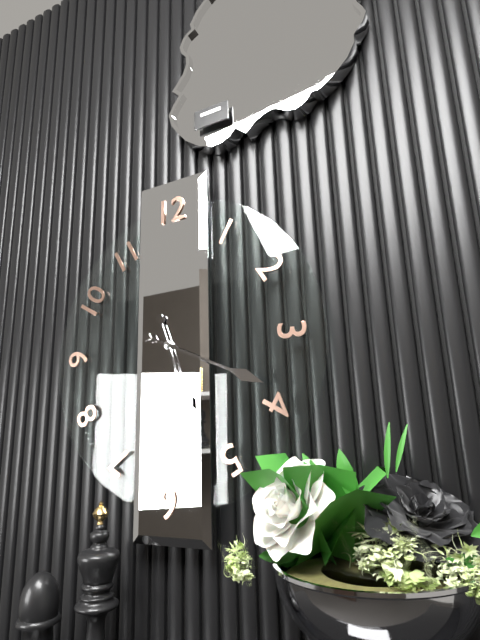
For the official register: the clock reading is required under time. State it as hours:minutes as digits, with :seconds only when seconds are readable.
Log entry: 5:19
